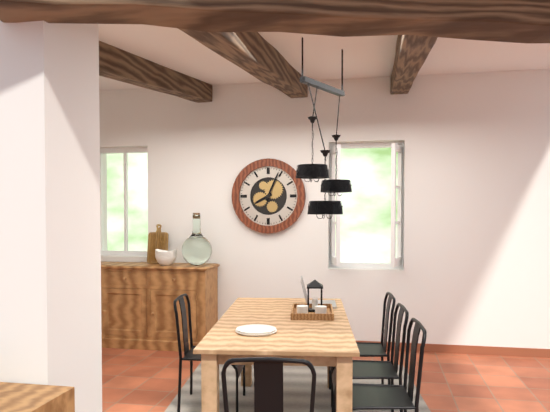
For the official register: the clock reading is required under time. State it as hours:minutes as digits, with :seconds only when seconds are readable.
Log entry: 8:04
